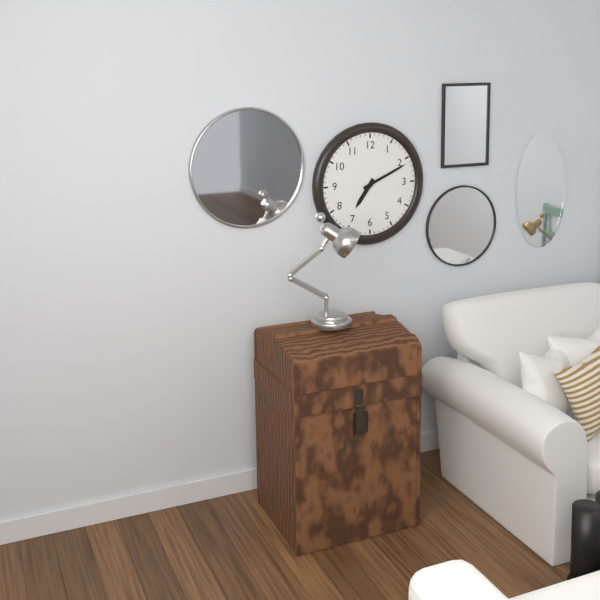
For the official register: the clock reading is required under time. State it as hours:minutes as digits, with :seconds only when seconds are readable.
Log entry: 7:11
